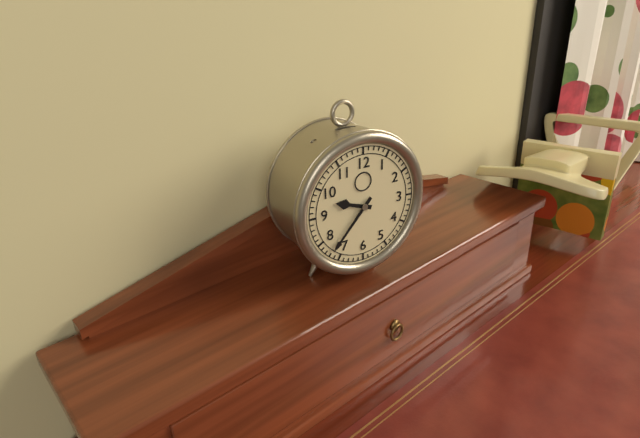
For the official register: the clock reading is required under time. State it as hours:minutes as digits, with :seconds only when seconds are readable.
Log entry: 9:37
